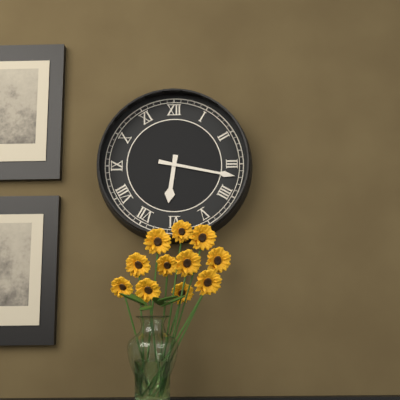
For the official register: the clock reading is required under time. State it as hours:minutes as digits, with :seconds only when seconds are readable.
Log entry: 6:17
